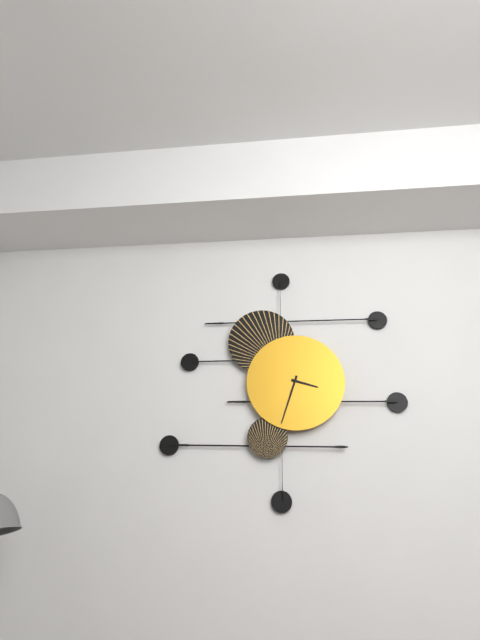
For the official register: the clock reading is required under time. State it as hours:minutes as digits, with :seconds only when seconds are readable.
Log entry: 3:33
